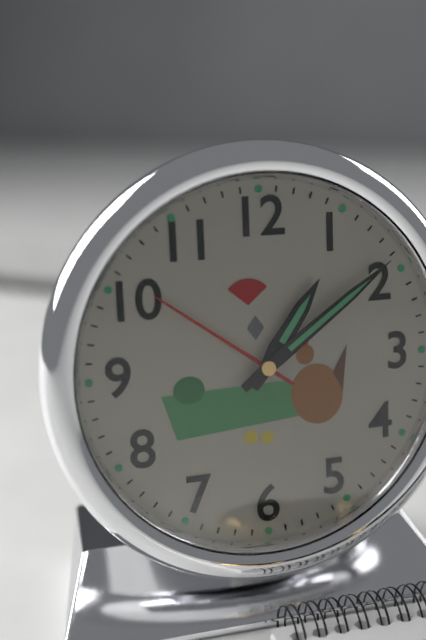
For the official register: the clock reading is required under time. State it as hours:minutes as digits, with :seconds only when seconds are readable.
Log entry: 1:09
